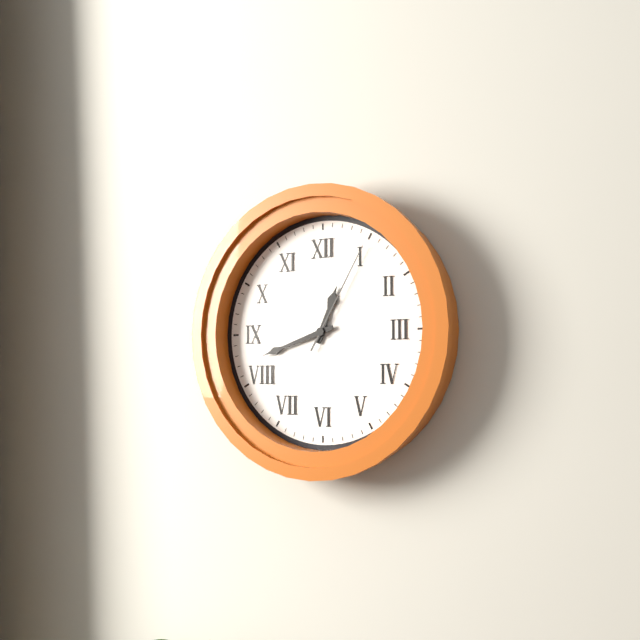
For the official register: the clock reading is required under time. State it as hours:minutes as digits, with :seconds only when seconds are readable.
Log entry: 12:42:05
